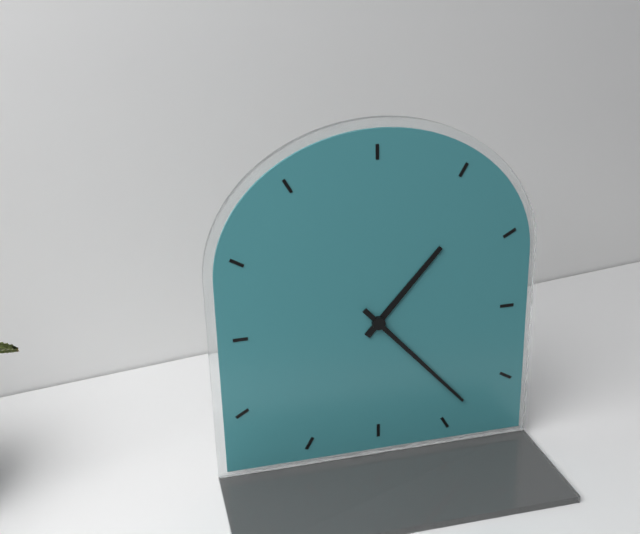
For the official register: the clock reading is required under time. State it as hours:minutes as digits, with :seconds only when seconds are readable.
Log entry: 1:23
